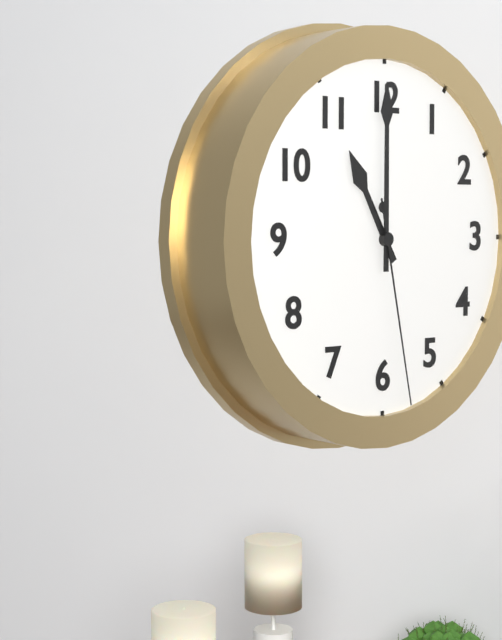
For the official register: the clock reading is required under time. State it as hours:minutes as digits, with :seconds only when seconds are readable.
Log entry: 11:00:28
